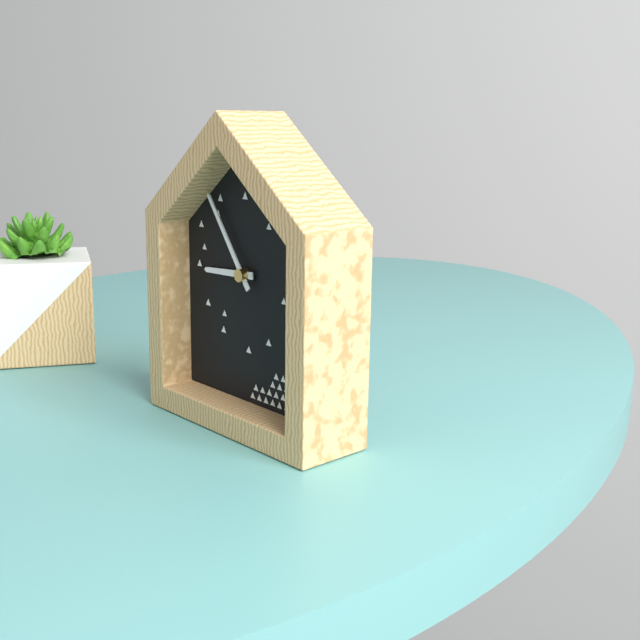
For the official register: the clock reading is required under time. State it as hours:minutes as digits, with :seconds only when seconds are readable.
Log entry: 8:54
